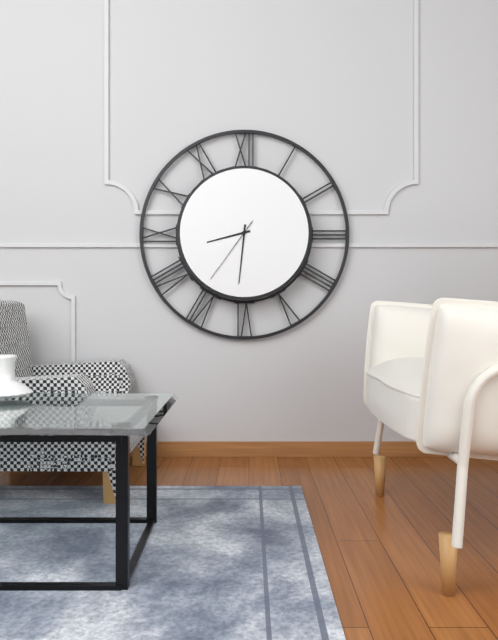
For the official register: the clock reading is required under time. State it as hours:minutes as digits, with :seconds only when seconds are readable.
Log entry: 8:31:36
